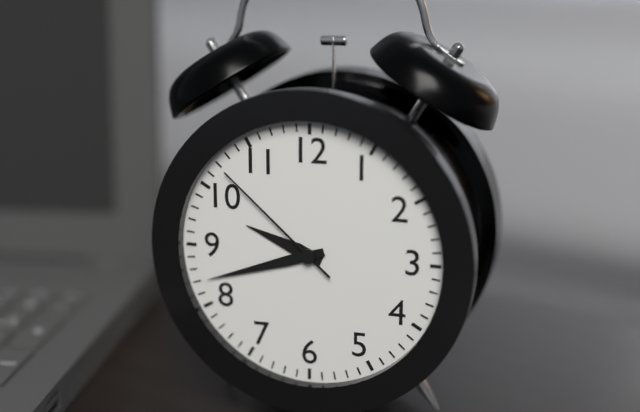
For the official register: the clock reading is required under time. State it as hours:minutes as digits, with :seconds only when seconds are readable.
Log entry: 9:42:52
